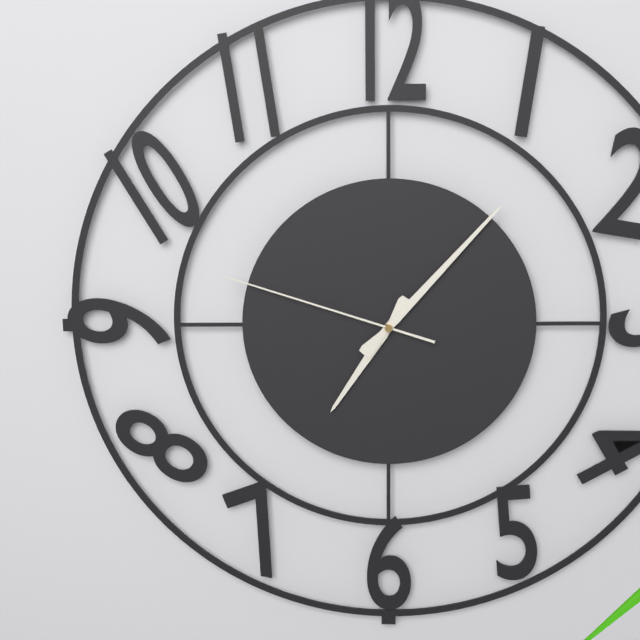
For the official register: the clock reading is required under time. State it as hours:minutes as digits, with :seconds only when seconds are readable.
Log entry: 7:07:48
